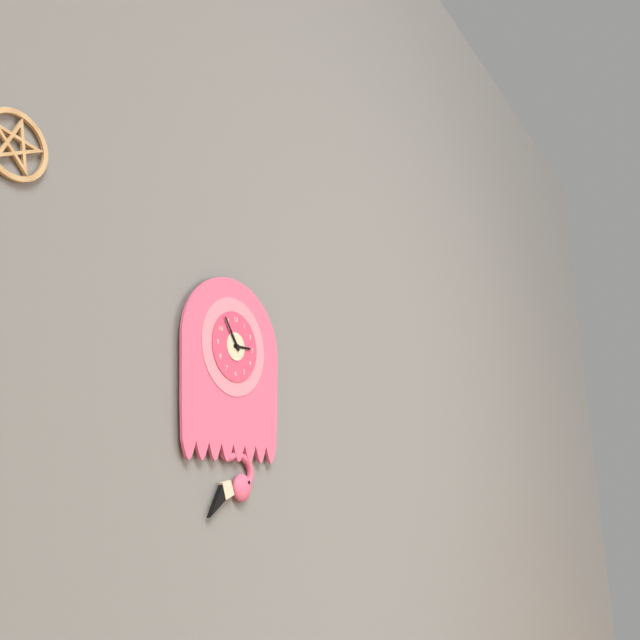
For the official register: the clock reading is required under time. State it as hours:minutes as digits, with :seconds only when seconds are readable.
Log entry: 2:54
